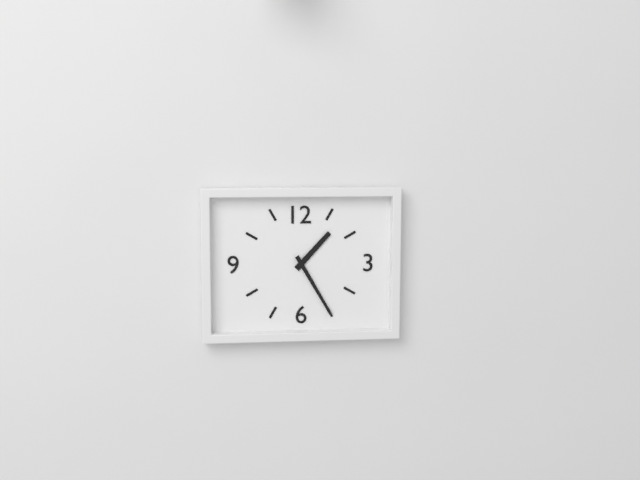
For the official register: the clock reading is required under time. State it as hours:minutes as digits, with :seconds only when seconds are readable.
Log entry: 1:25
